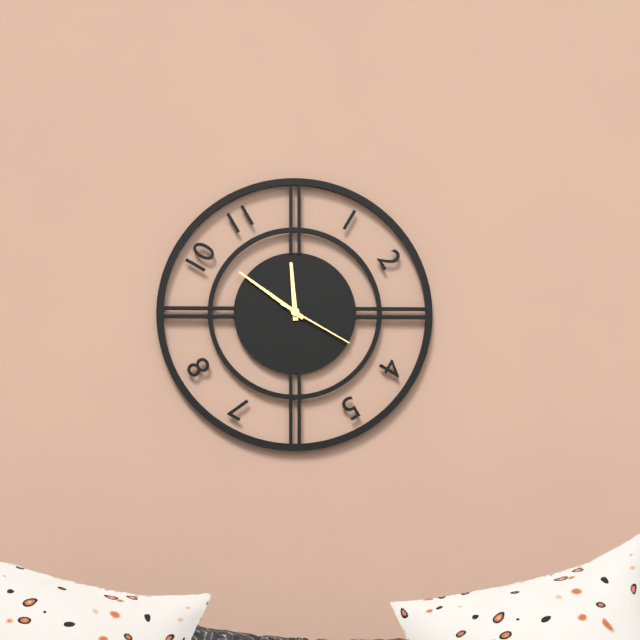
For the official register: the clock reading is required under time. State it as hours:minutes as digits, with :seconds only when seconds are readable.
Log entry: 11:51:20
